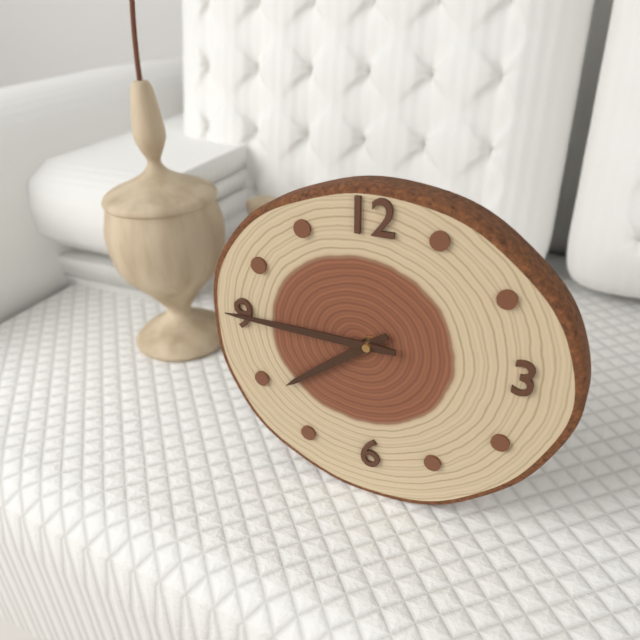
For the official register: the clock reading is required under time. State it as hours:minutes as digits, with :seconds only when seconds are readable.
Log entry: 7:45
